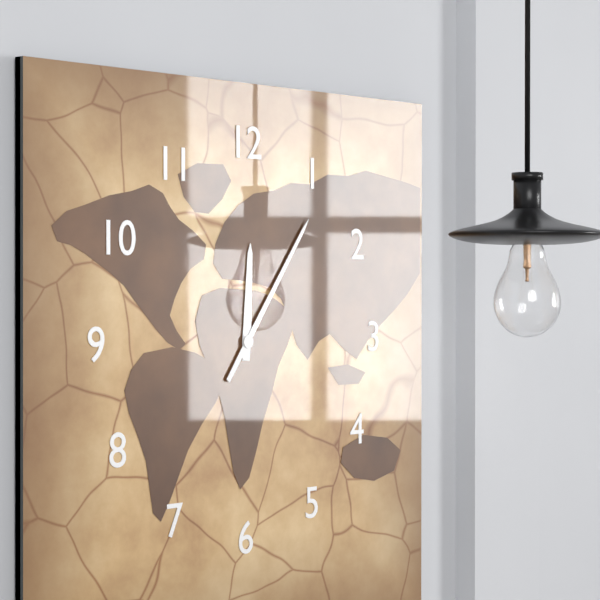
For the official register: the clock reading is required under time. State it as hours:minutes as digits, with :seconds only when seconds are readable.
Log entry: 12:06
